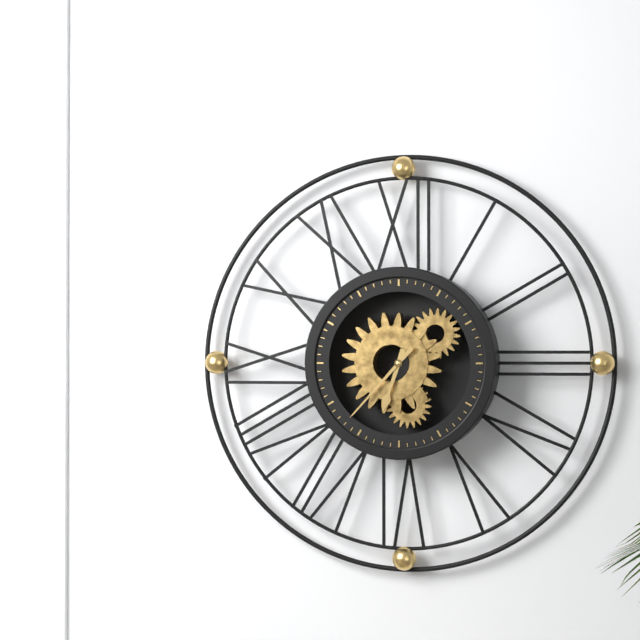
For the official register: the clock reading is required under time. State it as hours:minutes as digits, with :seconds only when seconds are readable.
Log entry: 6:37
